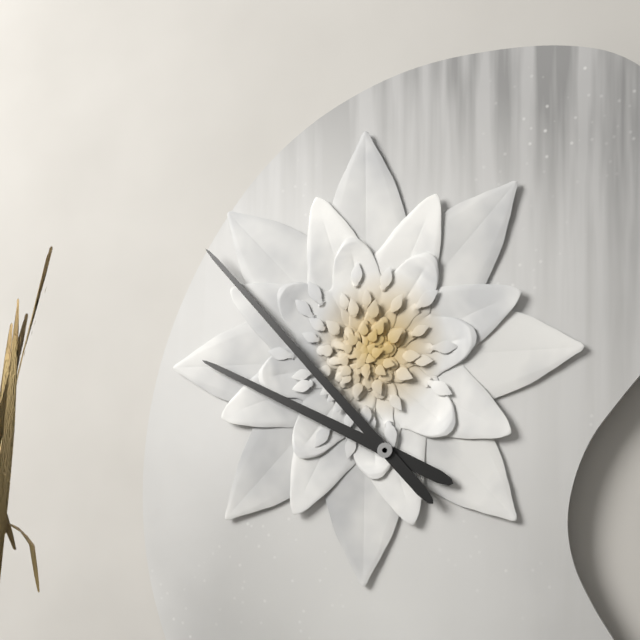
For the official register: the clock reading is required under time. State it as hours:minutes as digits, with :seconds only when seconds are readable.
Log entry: 9:53
